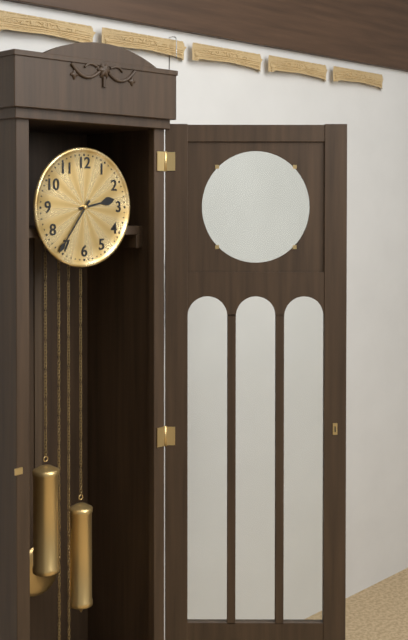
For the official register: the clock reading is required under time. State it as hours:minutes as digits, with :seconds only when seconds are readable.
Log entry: 2:36
